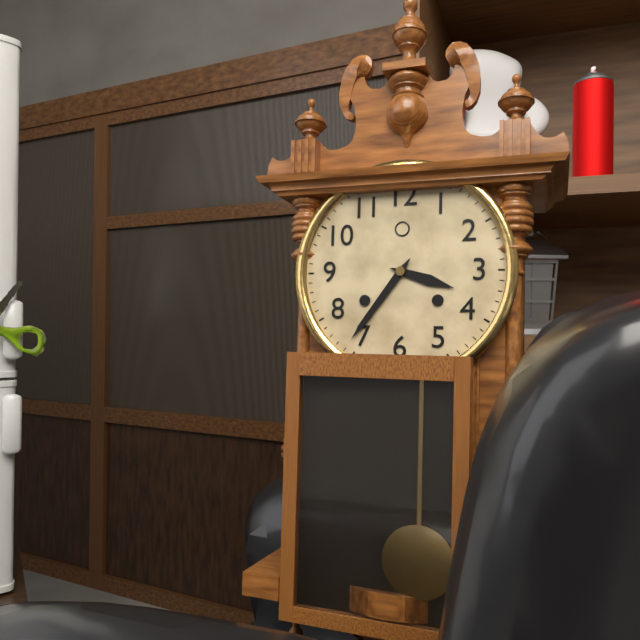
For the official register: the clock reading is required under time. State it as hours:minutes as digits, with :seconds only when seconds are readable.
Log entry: 3:36
